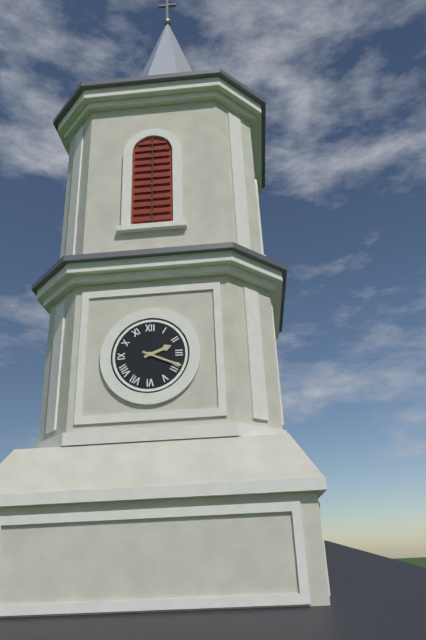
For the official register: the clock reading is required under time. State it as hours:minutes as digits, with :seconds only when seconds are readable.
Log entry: 2:19
